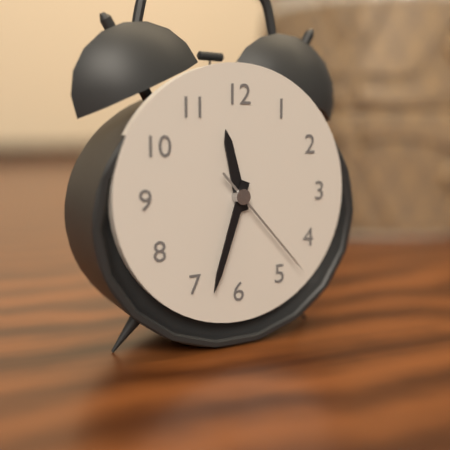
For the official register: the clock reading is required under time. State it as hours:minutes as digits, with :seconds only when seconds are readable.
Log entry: 11:33:23
